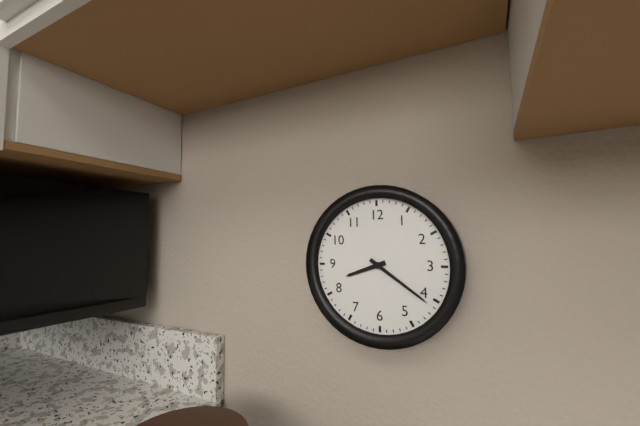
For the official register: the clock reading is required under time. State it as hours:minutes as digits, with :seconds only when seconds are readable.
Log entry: 8:21
